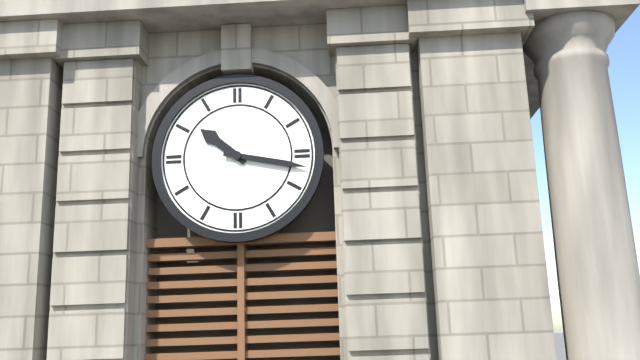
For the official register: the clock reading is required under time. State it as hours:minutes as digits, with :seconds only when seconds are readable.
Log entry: 10:17
